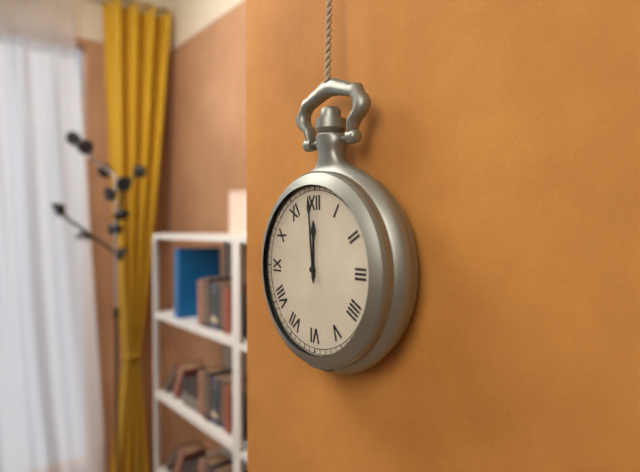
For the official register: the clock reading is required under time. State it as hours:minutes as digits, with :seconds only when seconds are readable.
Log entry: 11:59
